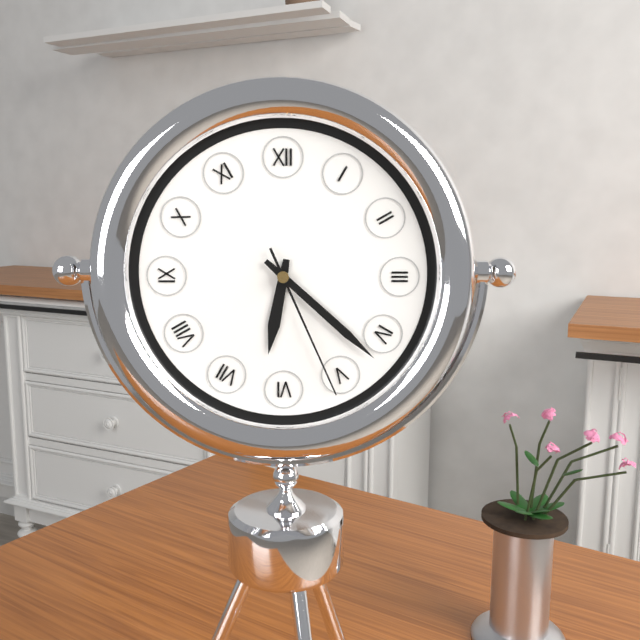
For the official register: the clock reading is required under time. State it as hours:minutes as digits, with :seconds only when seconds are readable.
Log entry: 6:22:26
